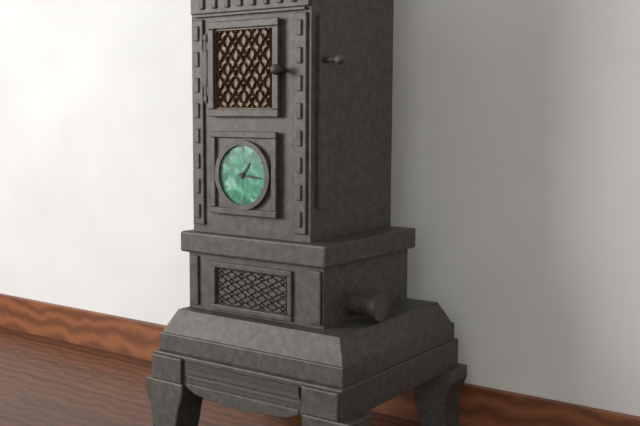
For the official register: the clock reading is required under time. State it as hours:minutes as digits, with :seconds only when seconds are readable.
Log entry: 1:16
